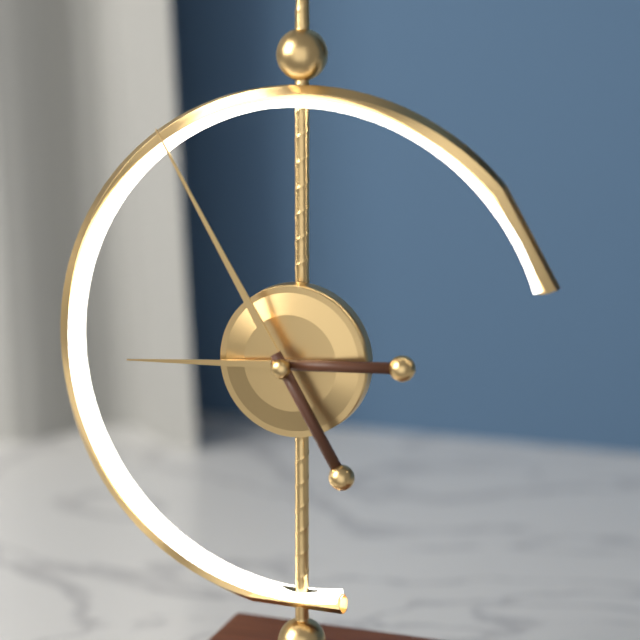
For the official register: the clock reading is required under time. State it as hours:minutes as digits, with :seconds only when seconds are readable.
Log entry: 8:55
